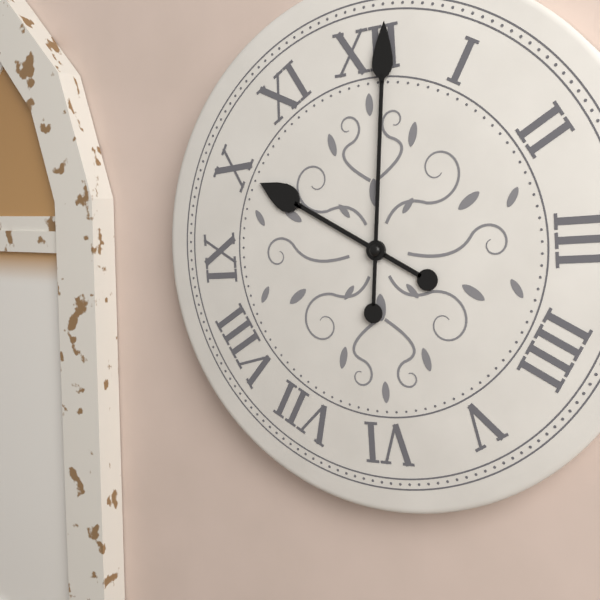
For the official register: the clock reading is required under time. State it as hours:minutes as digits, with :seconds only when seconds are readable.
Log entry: 10:01
